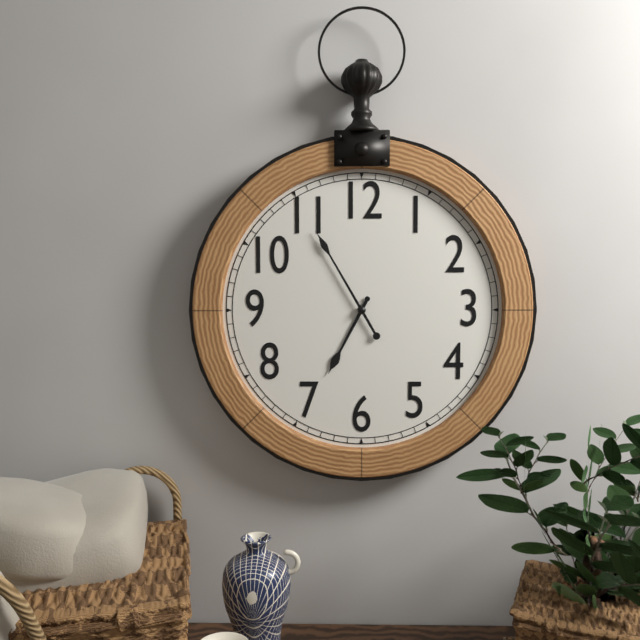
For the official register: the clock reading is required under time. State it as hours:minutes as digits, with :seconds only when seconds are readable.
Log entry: 6:55
